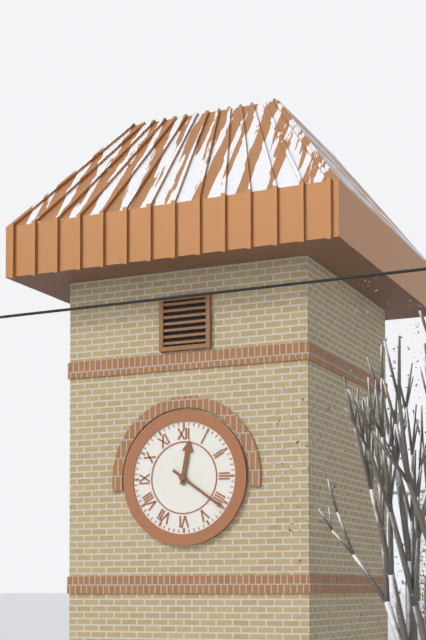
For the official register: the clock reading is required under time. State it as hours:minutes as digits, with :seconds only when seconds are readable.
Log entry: 12:21
